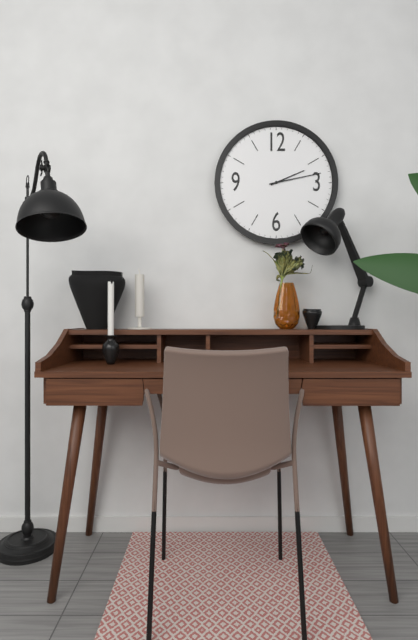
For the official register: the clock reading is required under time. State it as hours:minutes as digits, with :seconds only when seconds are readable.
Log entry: 2:13
